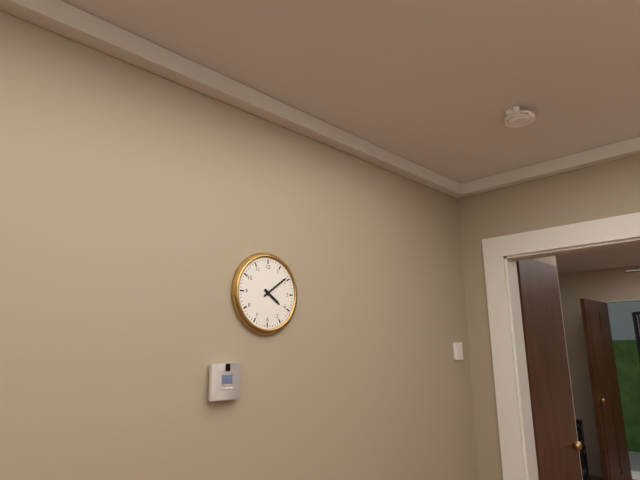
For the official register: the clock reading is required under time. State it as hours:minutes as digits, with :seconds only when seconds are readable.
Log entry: 4:09
